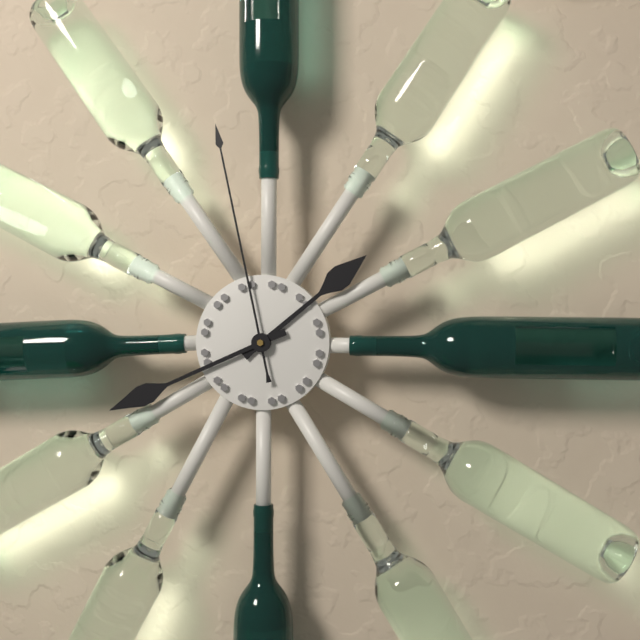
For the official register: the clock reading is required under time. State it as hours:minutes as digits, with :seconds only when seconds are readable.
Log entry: 1:41:58
